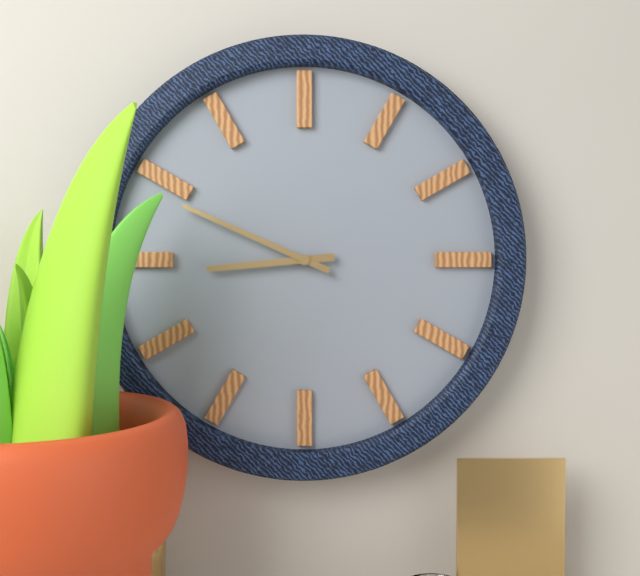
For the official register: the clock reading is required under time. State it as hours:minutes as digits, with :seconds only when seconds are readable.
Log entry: 8:49
